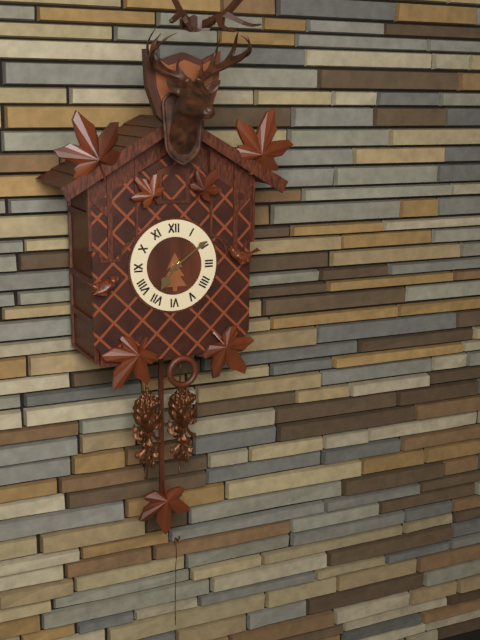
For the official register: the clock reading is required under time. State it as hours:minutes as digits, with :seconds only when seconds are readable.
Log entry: 7:09
